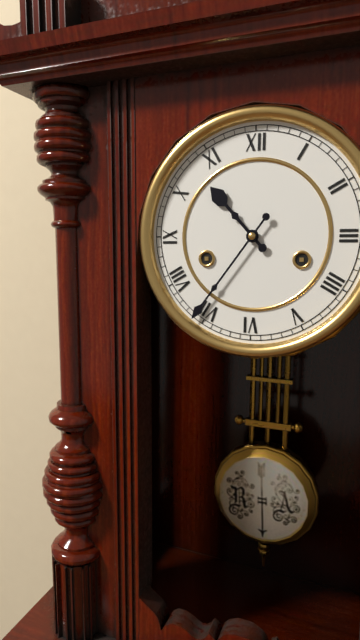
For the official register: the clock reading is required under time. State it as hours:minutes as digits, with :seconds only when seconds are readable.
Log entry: 10:36
